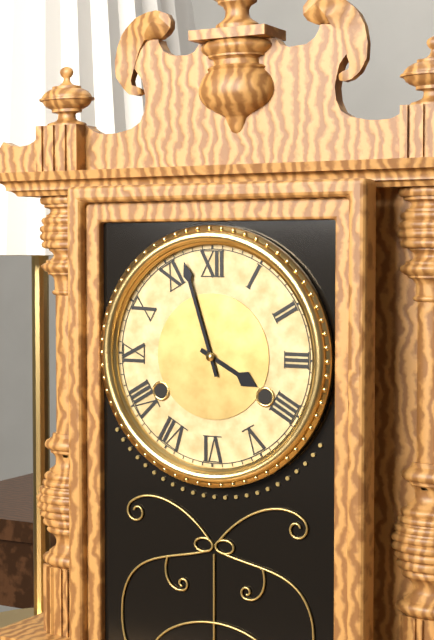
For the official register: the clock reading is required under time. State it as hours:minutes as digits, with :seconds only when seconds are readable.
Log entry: 3:57
